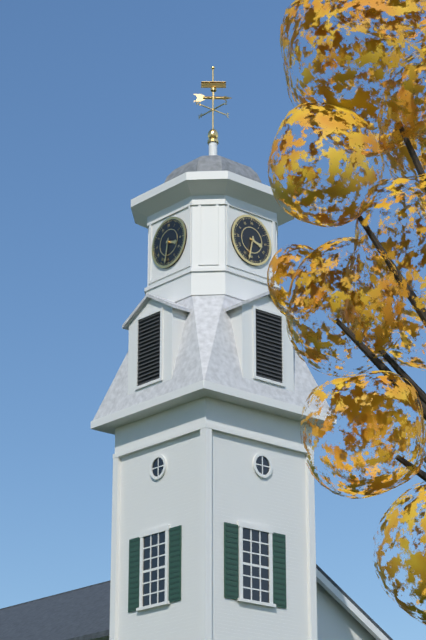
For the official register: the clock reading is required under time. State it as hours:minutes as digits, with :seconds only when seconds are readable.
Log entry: 3:32
